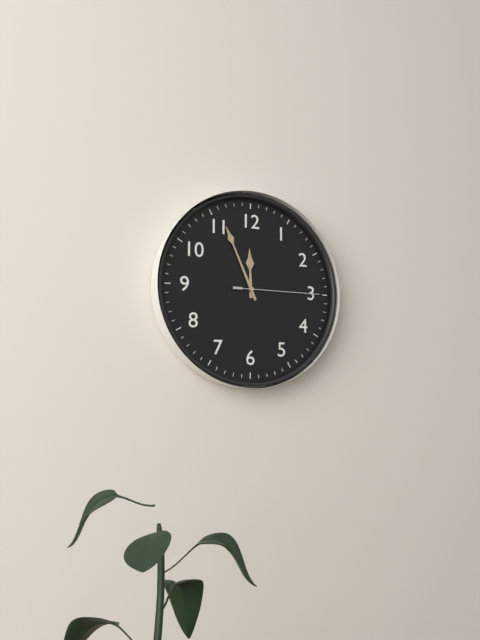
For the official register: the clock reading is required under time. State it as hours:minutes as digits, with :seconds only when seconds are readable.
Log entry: 11:56:15
